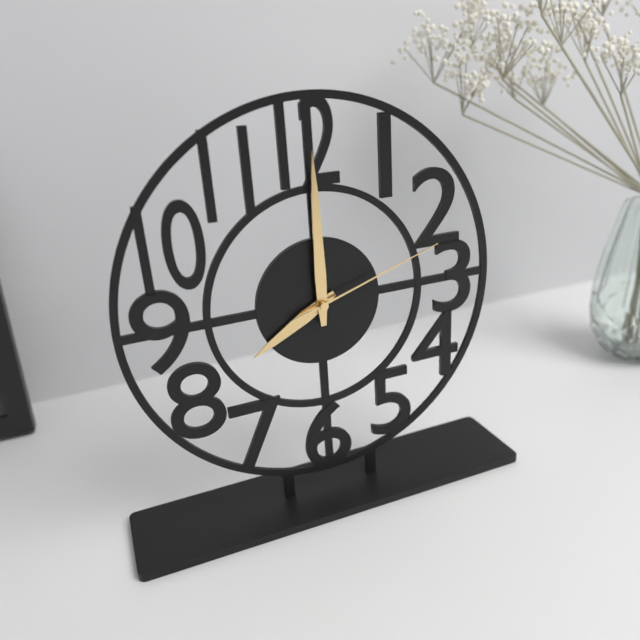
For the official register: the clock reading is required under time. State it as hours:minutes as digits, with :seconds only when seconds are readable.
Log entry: 8:00:12
